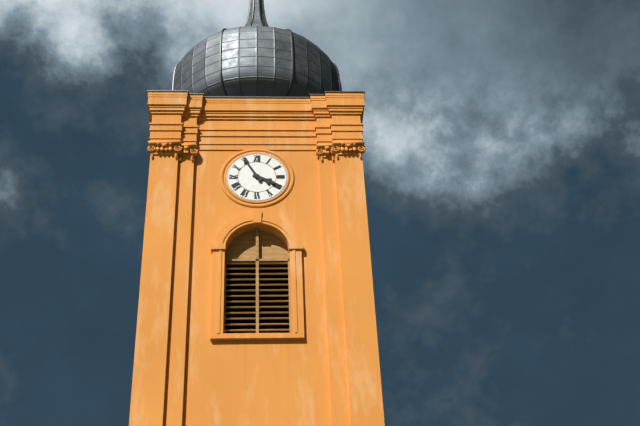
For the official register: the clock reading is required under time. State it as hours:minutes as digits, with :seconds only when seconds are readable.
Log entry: 3:55
